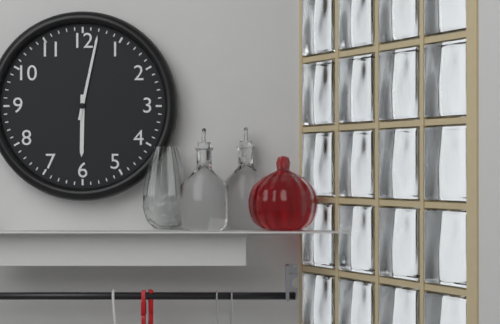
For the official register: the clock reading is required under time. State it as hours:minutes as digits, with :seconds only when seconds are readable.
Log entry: 6:02
